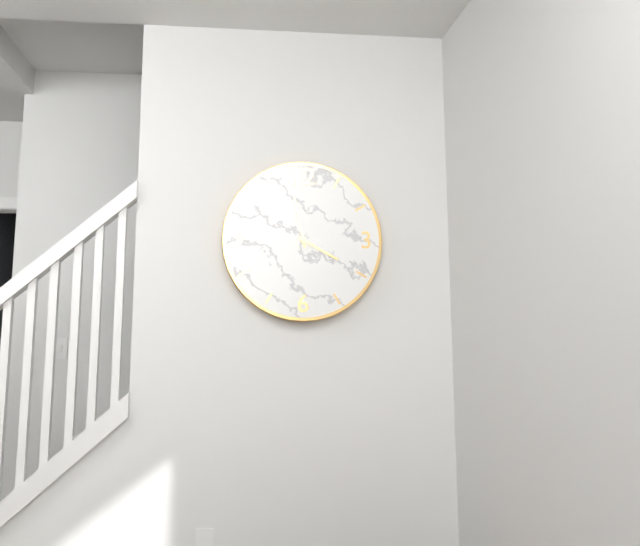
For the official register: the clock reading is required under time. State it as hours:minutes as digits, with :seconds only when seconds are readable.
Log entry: 3:58
